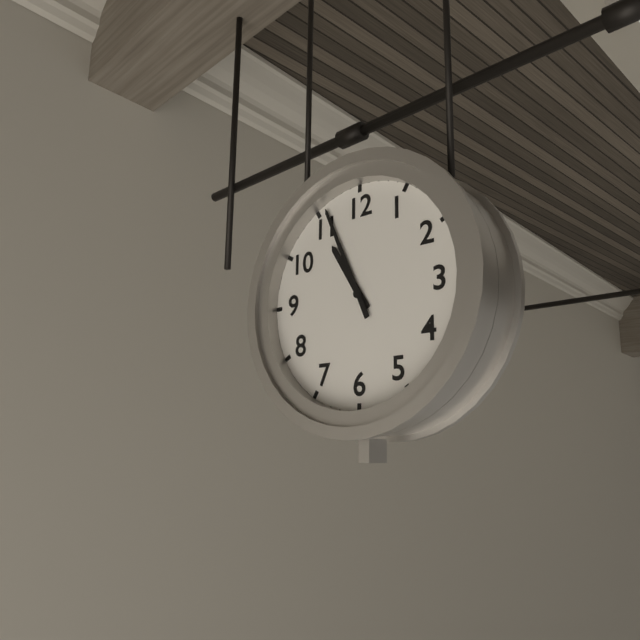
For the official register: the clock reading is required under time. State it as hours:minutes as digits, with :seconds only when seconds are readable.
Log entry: 10:56
